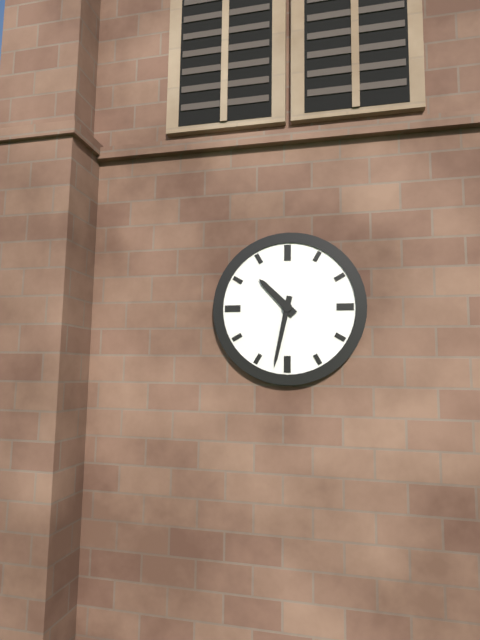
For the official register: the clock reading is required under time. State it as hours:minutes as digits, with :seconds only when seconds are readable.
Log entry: 10:32
